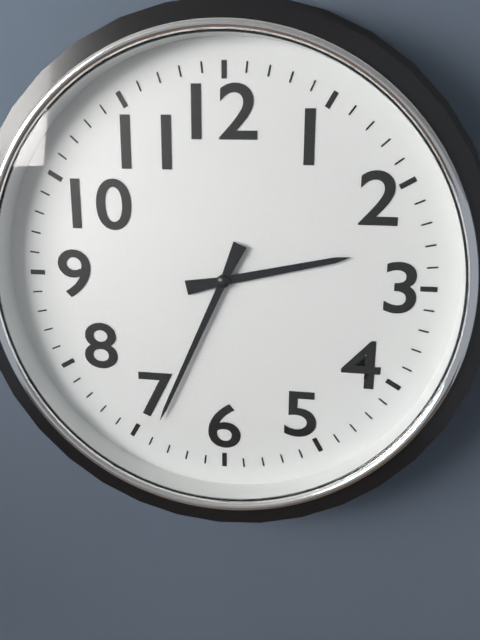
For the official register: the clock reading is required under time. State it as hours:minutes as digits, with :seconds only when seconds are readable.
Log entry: 2:34
